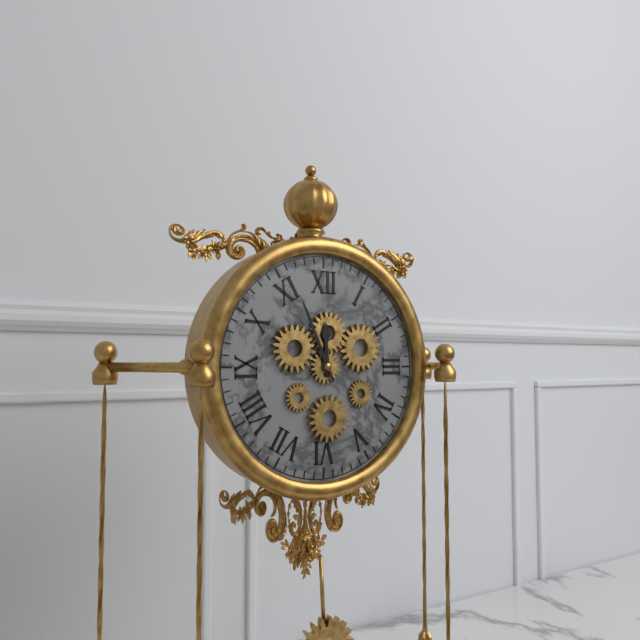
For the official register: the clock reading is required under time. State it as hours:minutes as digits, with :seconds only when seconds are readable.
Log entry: 11:56
